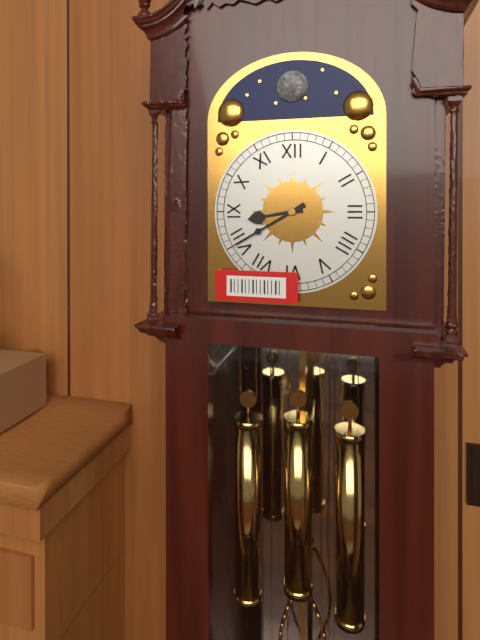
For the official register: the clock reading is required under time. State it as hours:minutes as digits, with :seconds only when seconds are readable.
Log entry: 8:40
